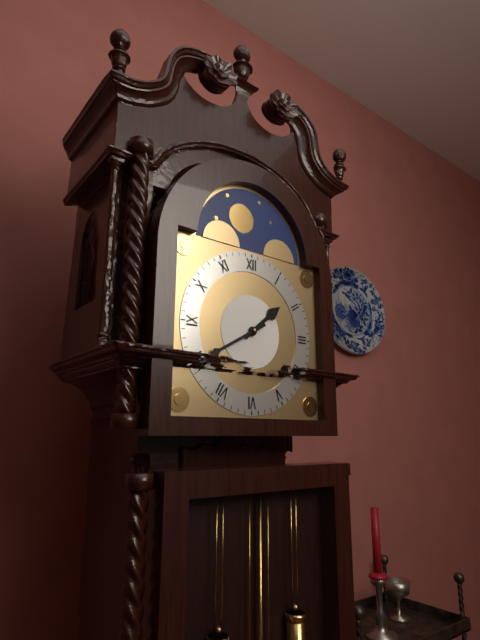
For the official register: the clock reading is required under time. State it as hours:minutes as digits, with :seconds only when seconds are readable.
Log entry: 1:40
